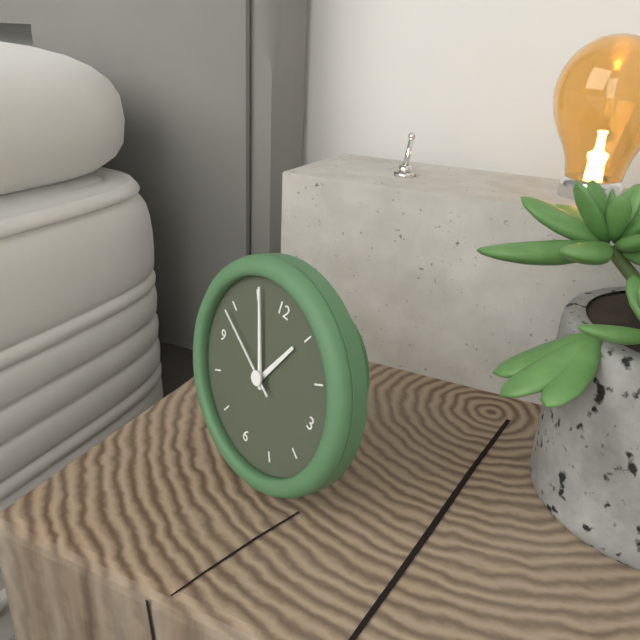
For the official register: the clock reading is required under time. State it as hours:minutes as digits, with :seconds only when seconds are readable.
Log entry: 12:56:49
